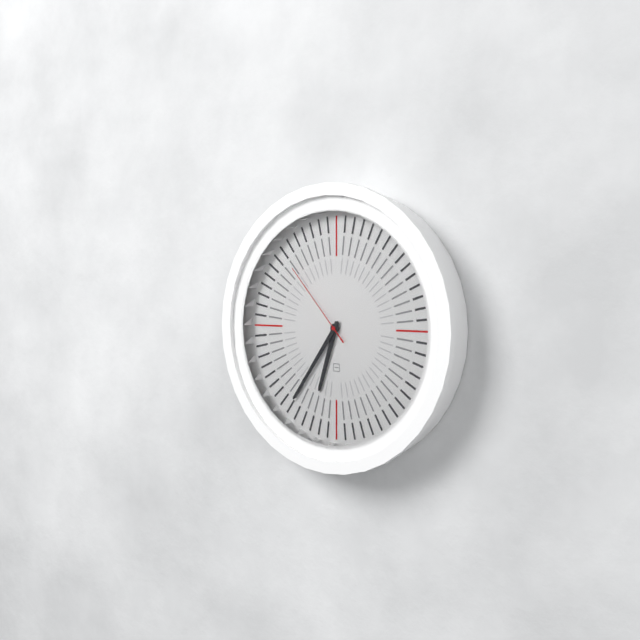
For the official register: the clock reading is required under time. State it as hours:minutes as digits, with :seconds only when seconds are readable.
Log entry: 6:36:53
